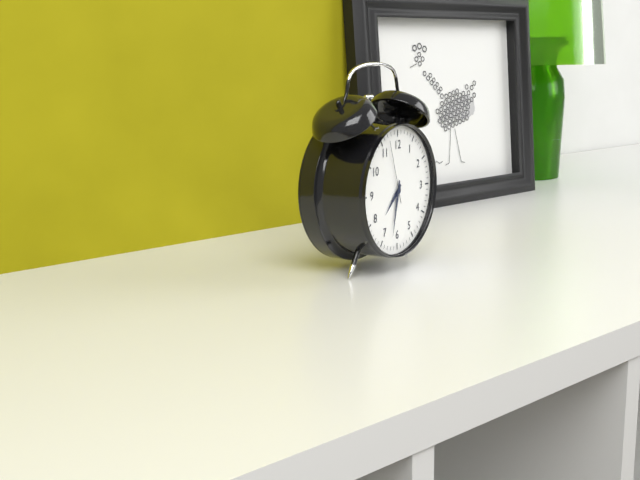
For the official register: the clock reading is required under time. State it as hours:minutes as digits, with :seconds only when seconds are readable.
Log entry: 7:32:57
